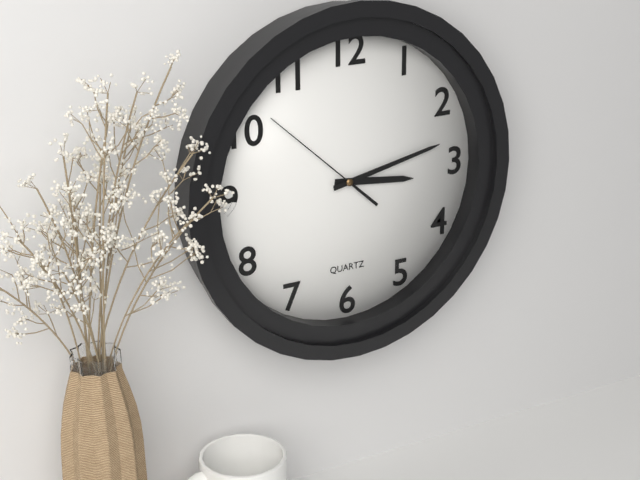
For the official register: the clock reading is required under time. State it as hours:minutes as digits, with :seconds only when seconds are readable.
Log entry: 3:13:52
